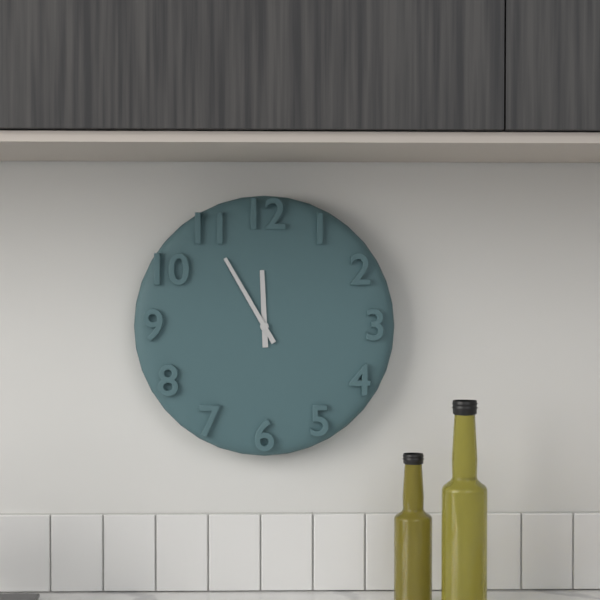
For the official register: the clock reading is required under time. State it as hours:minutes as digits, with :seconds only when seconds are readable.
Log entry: 11:55
